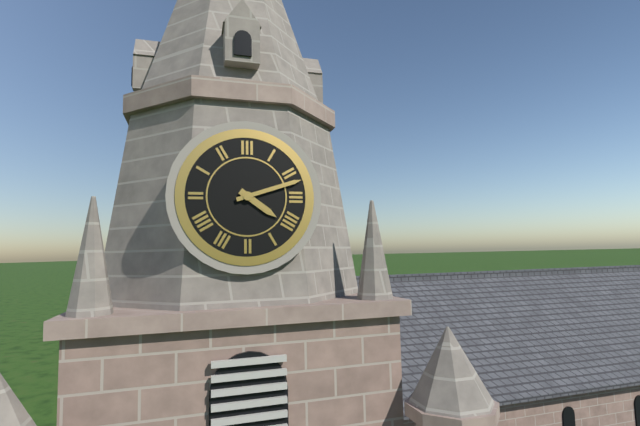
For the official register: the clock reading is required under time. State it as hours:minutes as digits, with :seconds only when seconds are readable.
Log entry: 4:12
